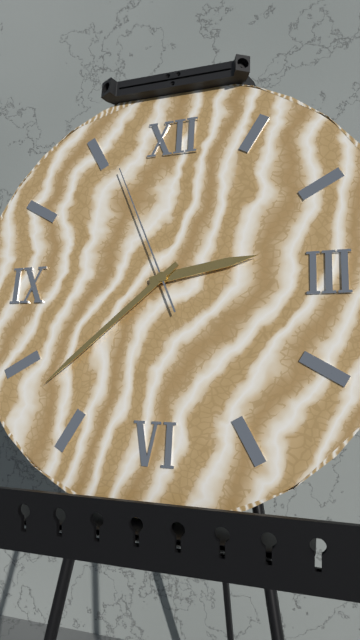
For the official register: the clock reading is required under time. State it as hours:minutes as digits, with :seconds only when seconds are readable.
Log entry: 2:38:56
